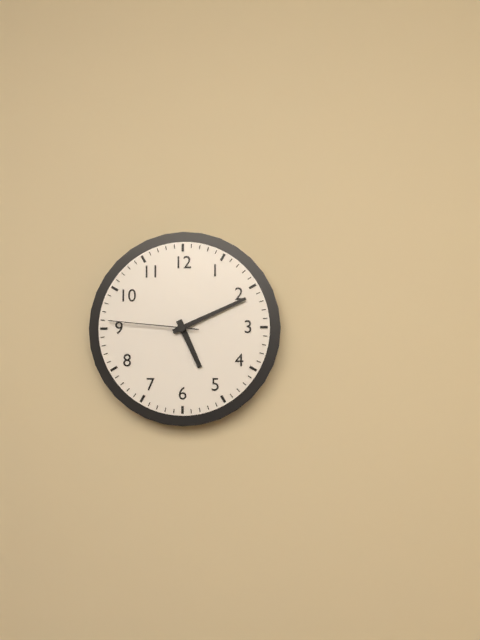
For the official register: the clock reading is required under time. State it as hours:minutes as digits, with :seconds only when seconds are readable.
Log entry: 5:11:46
